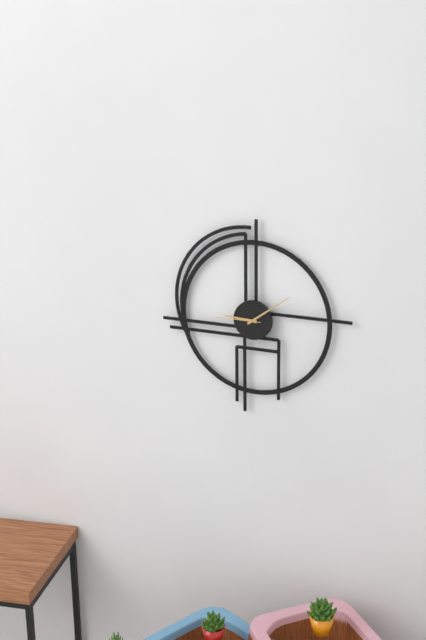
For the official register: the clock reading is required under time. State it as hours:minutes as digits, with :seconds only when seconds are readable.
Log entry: 9:09:45
